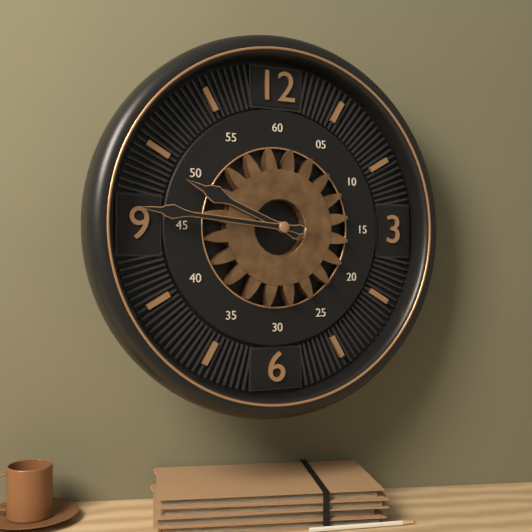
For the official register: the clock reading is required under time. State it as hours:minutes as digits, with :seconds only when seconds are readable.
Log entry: 9:46
